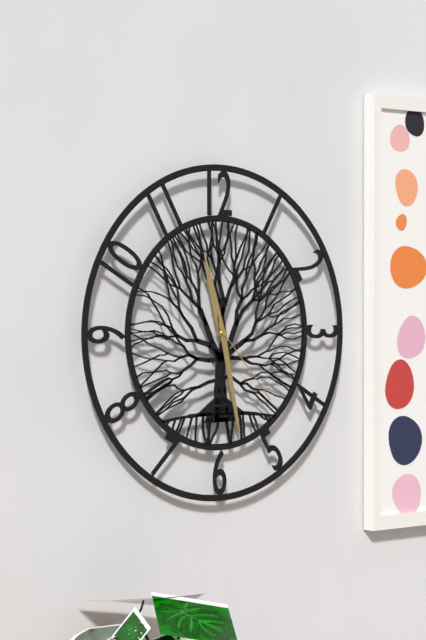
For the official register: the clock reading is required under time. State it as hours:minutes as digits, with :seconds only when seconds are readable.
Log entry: 11:28:23
